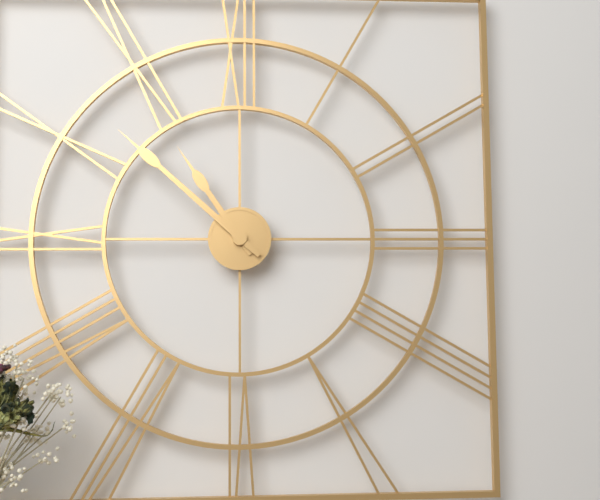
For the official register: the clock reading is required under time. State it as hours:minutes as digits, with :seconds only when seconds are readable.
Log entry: 10:52
